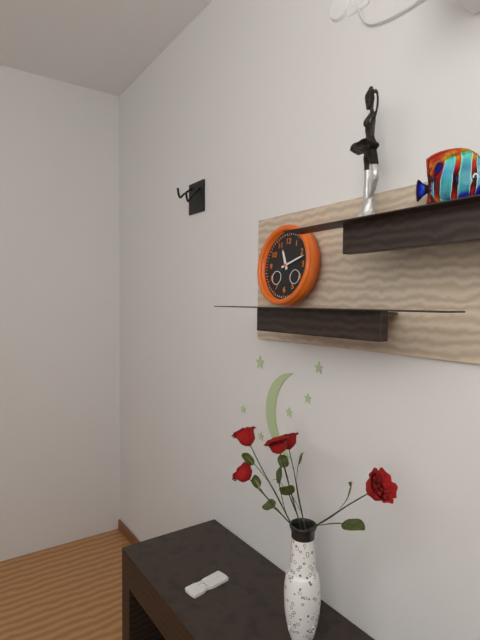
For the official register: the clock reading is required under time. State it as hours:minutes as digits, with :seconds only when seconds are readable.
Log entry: 11:12
